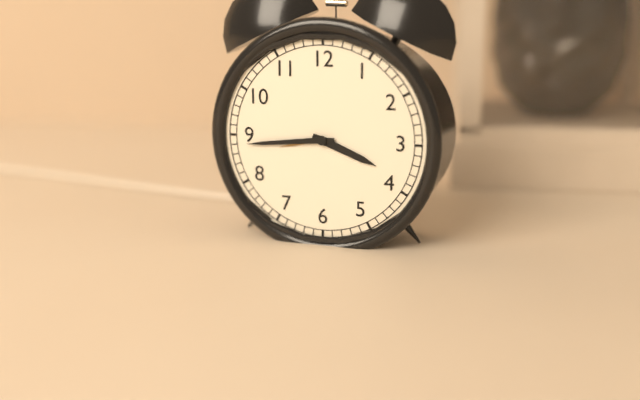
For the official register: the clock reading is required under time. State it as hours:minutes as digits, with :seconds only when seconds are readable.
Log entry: 3:44
